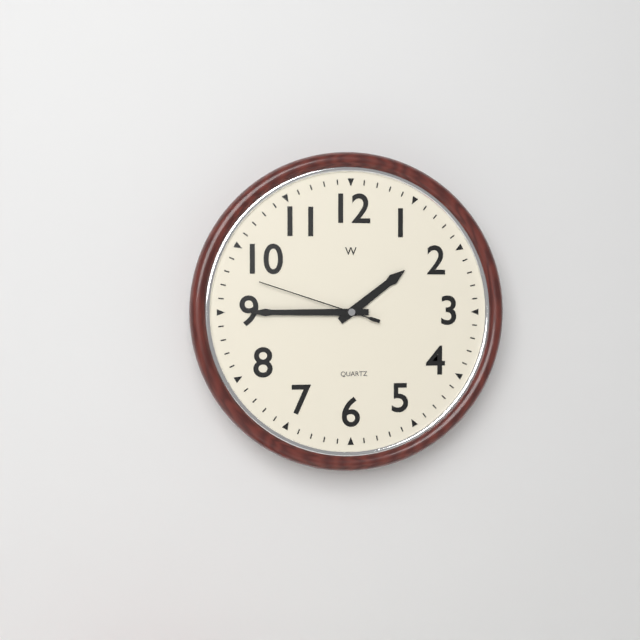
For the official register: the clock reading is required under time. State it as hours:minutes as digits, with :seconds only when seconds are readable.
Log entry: 1:45:48
